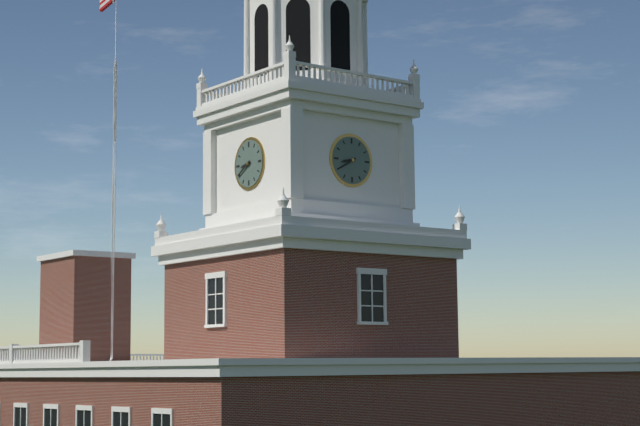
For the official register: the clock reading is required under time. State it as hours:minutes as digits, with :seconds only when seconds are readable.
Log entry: 8:40
